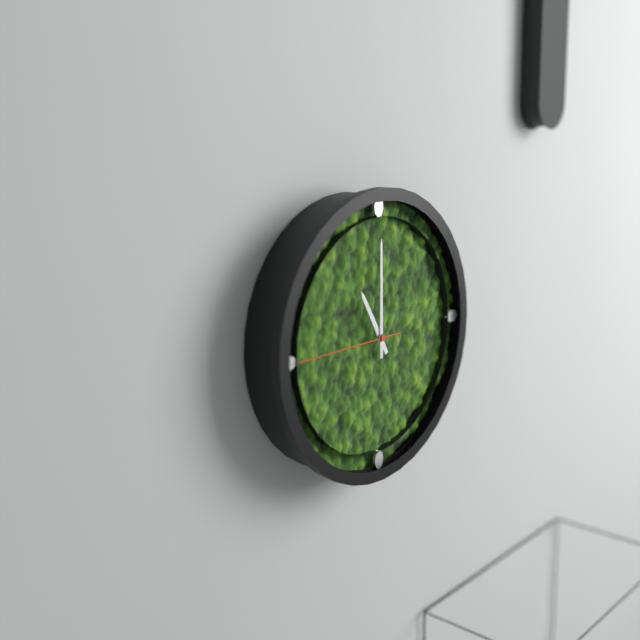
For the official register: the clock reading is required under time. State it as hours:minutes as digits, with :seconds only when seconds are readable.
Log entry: 11:00:45
